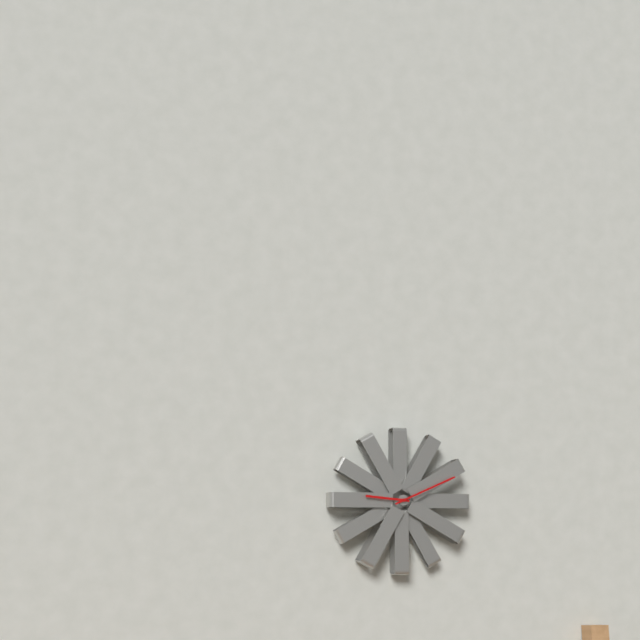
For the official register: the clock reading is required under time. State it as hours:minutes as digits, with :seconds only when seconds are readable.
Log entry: 9:11
